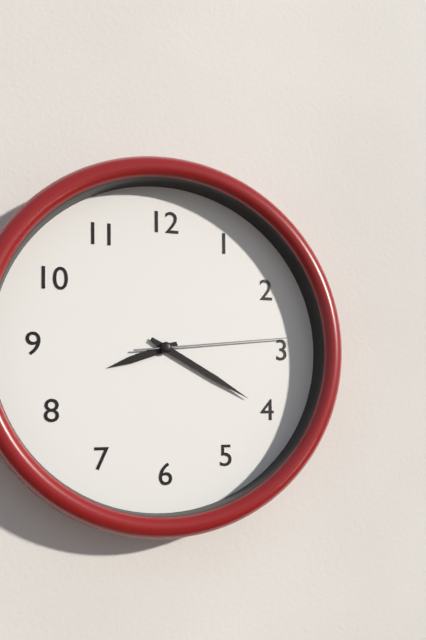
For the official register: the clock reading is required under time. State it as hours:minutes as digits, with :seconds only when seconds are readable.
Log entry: 8:20:14
